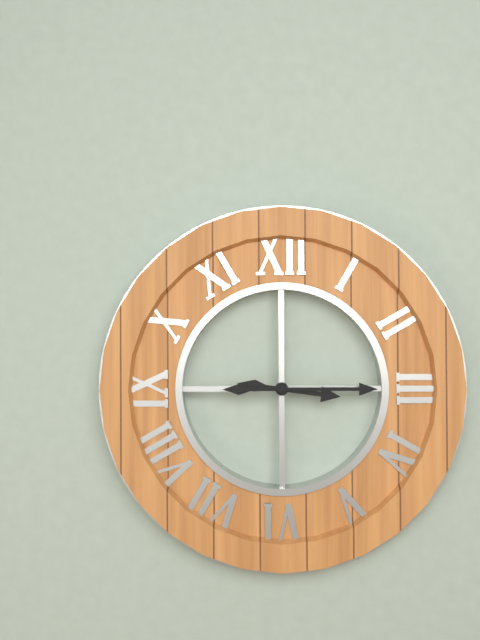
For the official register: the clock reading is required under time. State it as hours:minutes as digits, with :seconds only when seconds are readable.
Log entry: 3:15
